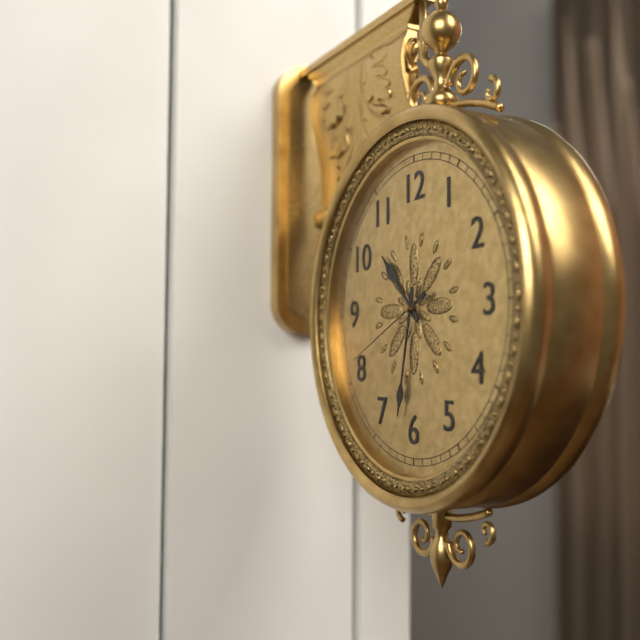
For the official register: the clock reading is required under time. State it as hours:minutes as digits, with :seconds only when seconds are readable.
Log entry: 10:32:41
